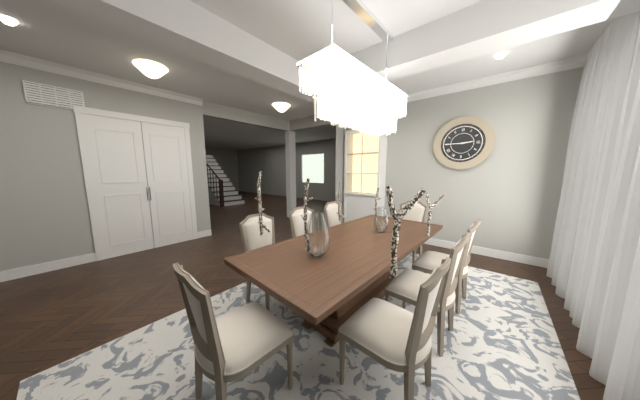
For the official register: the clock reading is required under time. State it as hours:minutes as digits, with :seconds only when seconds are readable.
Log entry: 2:45
